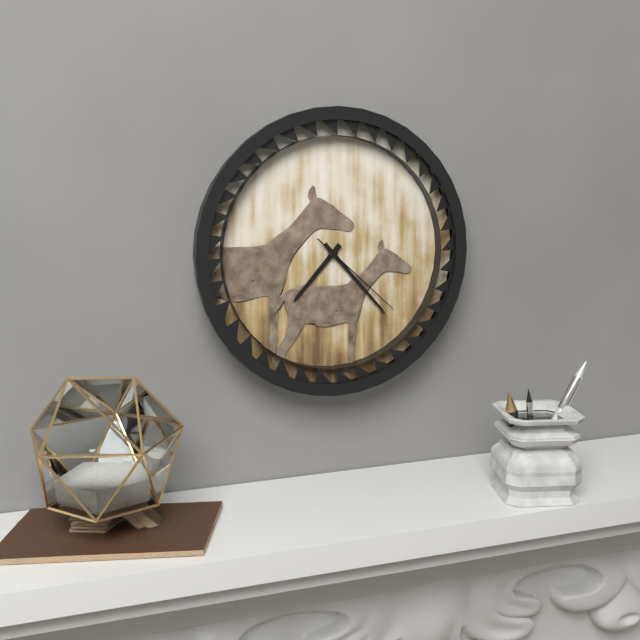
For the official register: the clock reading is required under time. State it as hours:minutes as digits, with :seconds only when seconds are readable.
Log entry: 7:23:22
